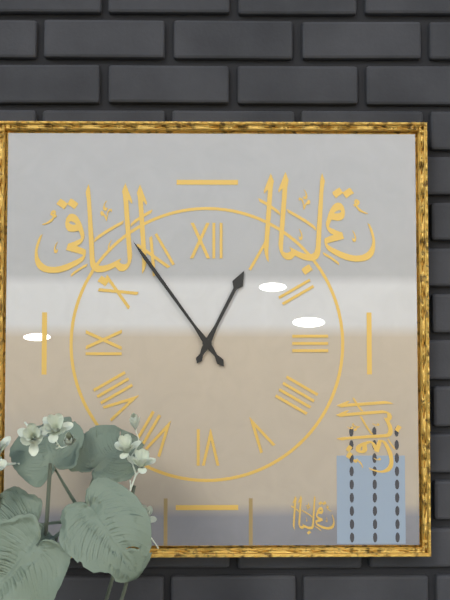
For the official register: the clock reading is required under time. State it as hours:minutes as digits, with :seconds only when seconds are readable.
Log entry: 12:54
